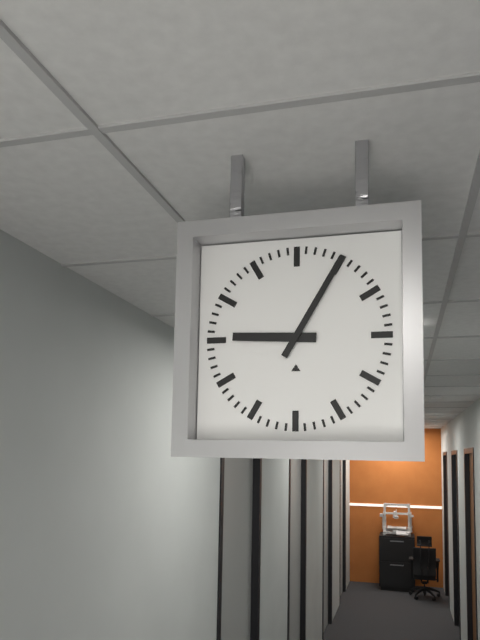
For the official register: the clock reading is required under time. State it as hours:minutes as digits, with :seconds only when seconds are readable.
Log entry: 9:05
